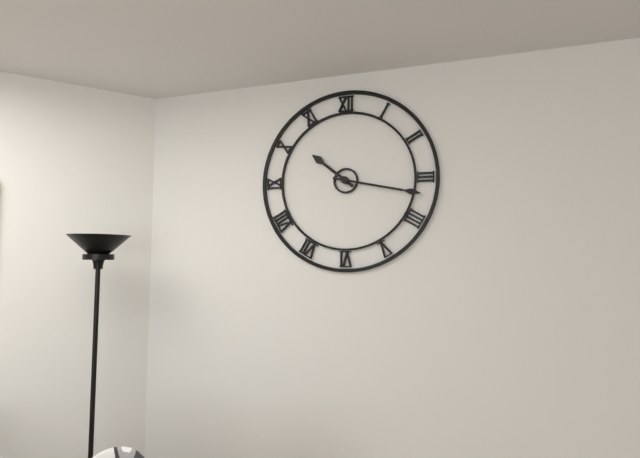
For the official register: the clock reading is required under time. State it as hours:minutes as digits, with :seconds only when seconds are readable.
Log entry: 10:17
